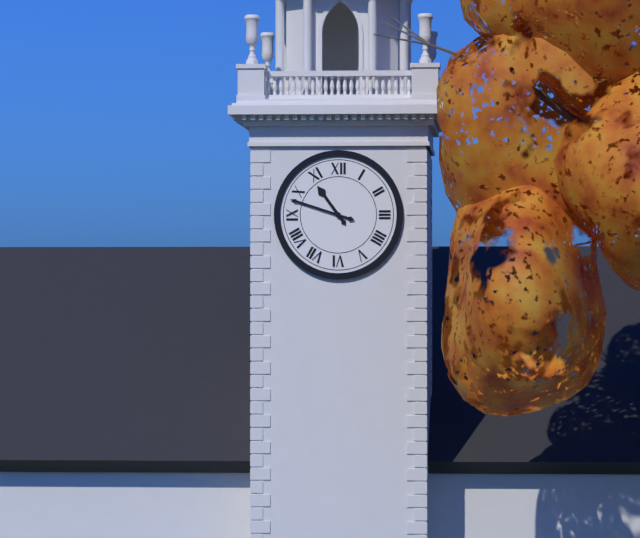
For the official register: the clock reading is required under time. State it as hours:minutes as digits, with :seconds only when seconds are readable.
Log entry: 10:48
